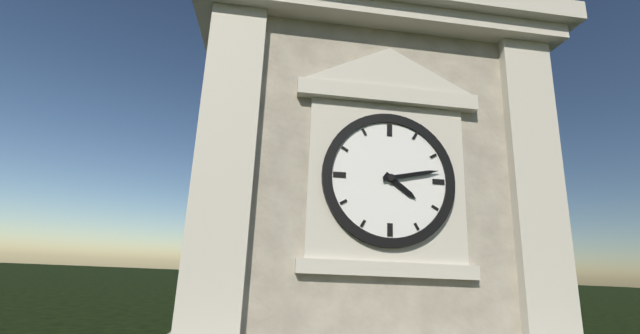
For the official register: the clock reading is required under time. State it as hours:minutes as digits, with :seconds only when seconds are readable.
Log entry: 4:13
